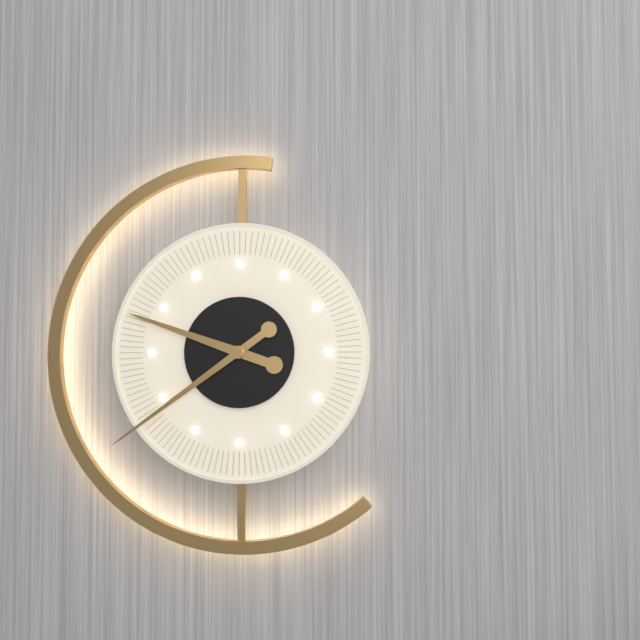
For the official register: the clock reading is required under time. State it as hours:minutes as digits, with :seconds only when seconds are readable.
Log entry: 9:39
